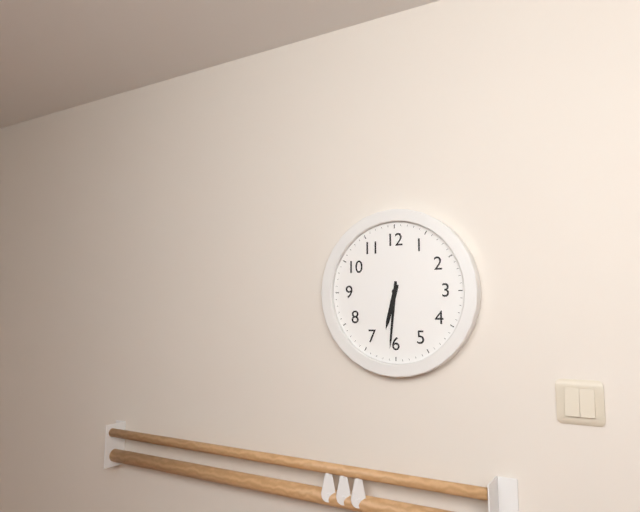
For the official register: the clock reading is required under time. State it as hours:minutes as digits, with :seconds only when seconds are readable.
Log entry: 6:31
